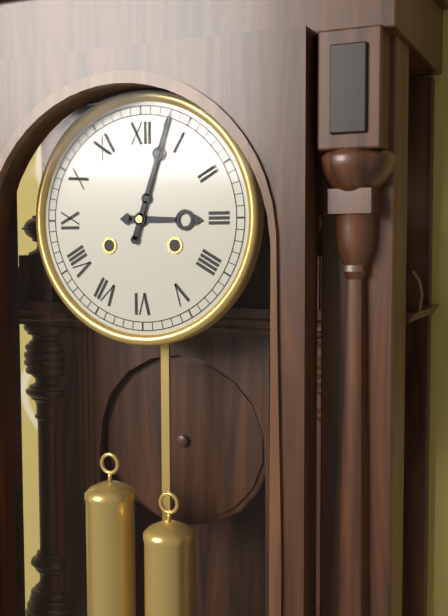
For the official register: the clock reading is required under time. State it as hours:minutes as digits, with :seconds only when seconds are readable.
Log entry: 3:03
